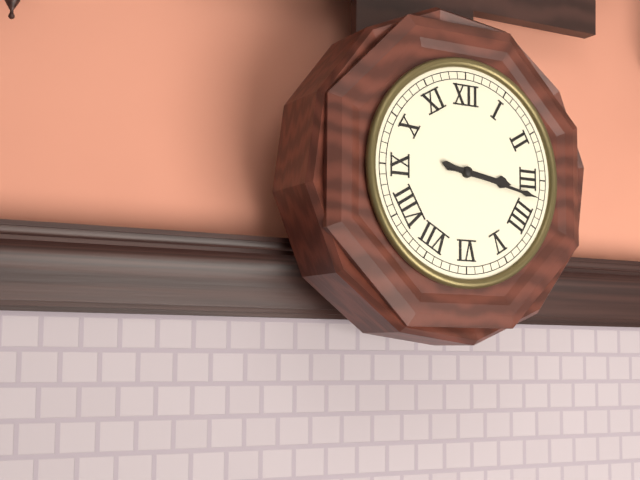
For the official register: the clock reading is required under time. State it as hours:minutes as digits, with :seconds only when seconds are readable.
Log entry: 3:17
